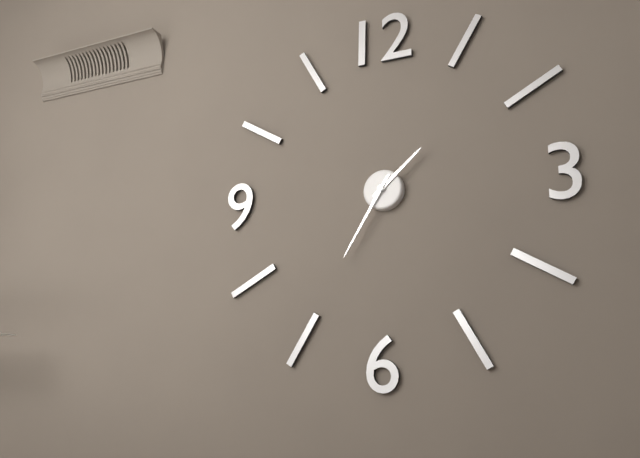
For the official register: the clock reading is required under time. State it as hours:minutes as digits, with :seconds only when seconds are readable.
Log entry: 1:35
